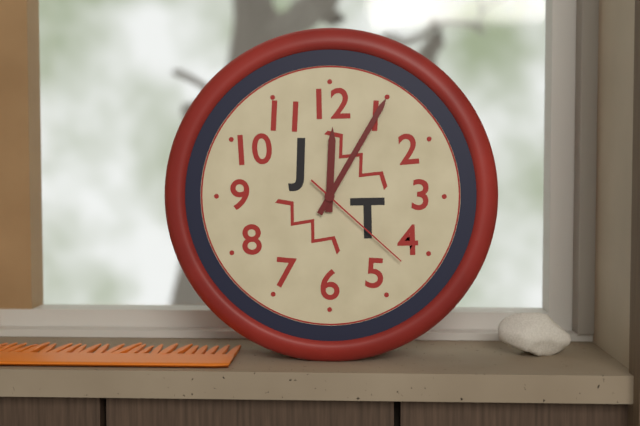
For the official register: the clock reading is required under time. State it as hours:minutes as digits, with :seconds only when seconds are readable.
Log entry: 12:05:22
